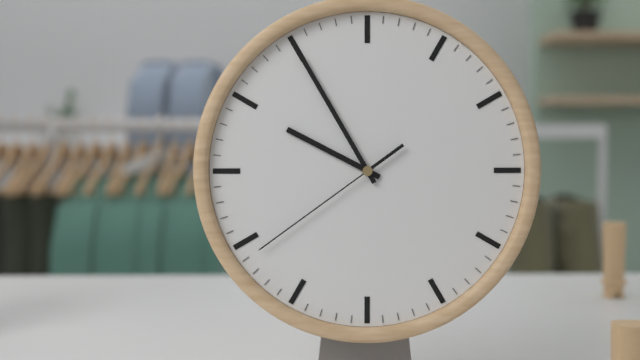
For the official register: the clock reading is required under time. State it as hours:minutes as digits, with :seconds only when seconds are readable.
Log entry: 9:55:39
